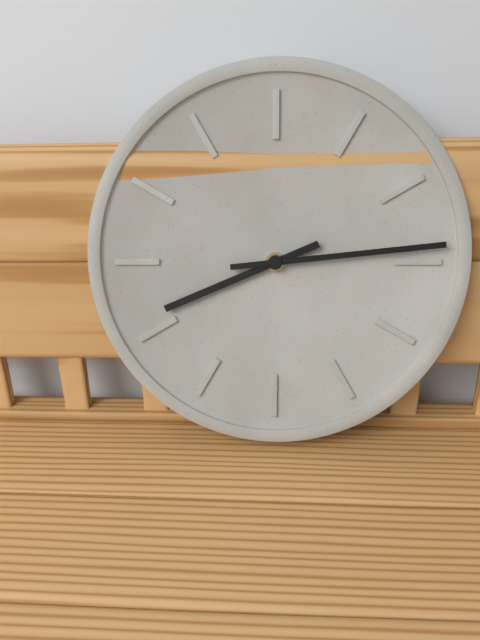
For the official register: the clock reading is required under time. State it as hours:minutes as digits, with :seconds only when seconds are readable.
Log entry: 8:14
